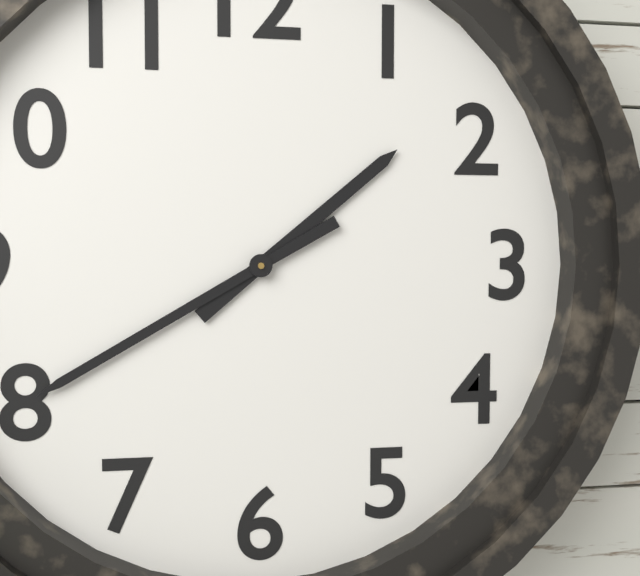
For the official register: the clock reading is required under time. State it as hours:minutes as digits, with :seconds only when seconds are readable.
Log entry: 1:40
